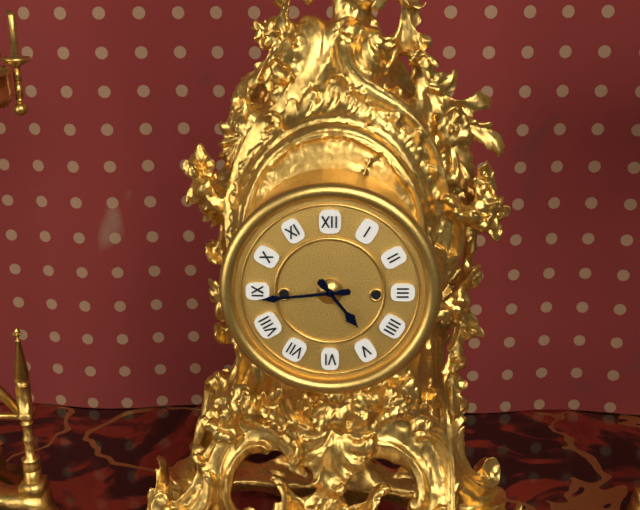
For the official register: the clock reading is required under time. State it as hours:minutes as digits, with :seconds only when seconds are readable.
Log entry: 4:44
